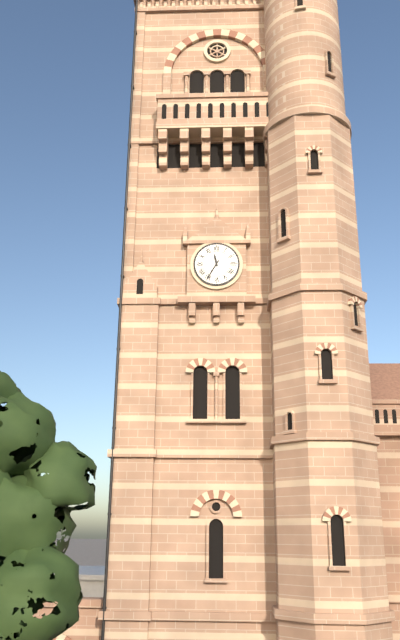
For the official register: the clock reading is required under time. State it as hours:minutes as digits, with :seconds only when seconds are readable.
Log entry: 11:35
